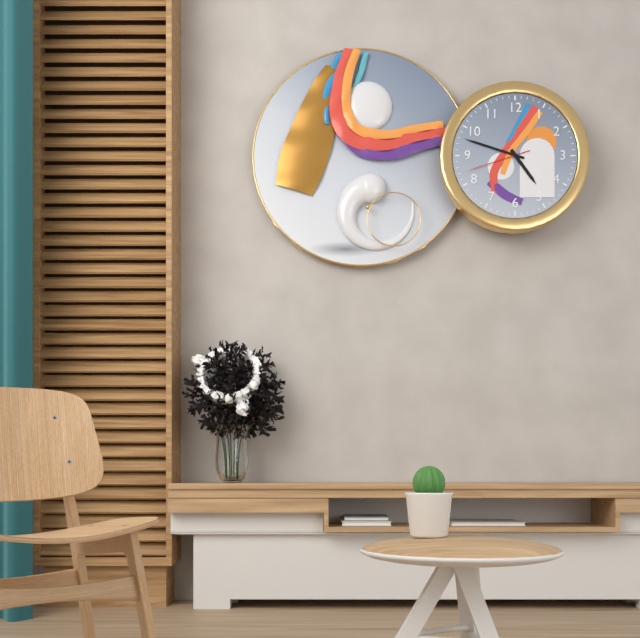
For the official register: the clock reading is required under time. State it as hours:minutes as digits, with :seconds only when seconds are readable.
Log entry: 4:48:42
